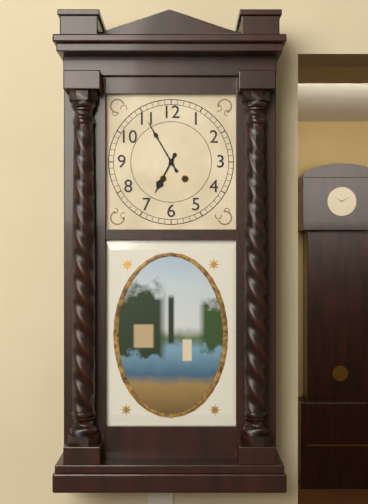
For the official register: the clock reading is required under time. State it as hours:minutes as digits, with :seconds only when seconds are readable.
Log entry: 6:55
